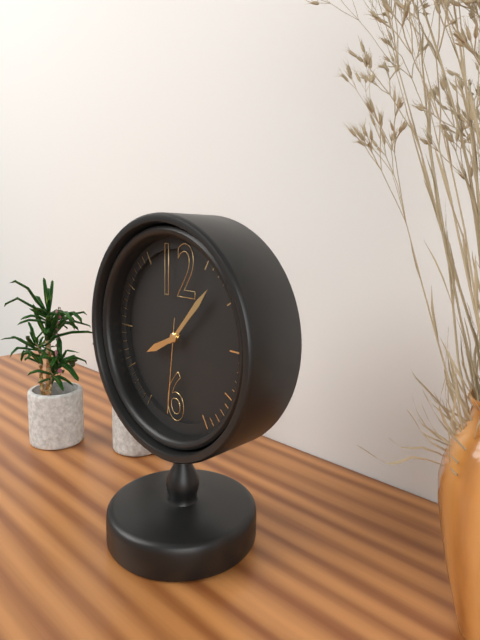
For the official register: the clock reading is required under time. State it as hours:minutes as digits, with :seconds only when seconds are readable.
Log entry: 8:07:31
